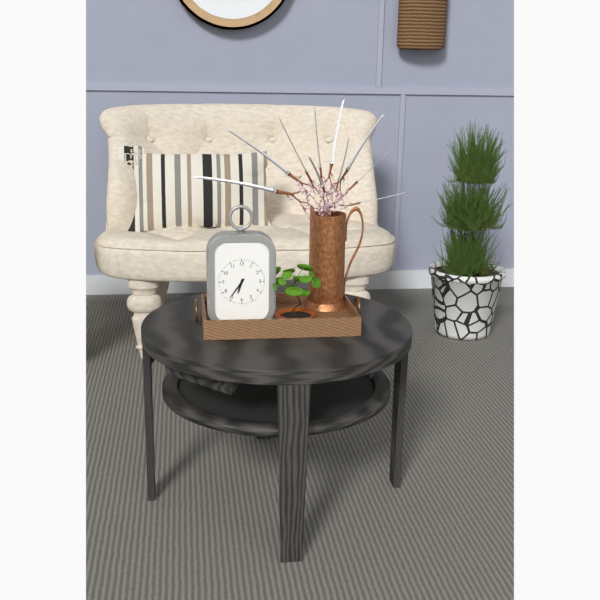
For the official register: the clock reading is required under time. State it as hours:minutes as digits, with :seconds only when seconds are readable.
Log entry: 6:36
